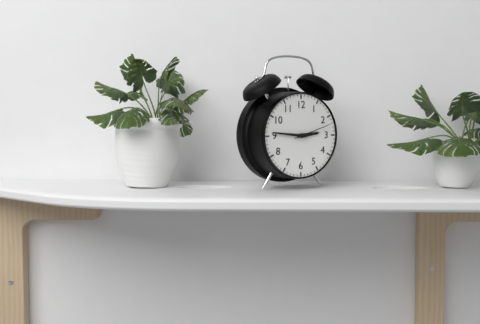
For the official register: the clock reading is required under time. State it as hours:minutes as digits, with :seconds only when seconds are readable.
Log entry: 2:46
